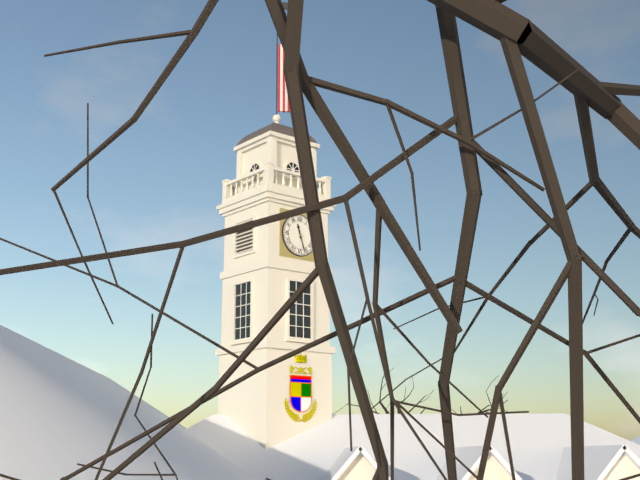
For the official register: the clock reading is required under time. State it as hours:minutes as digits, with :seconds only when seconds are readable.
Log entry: 11:27
